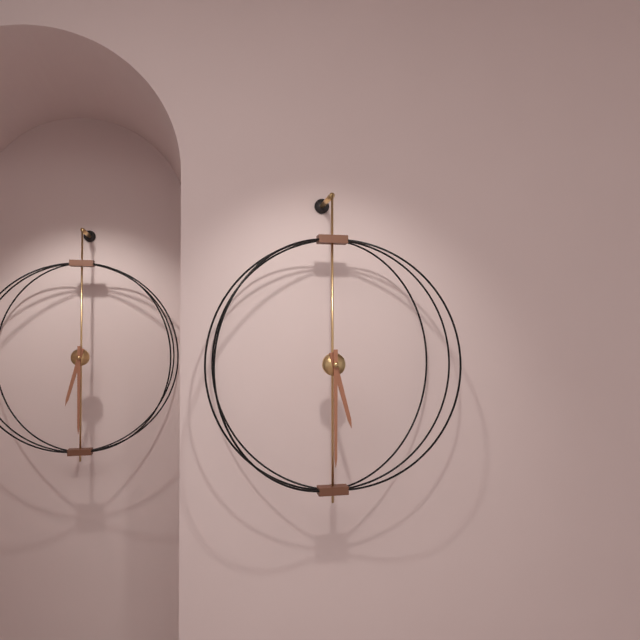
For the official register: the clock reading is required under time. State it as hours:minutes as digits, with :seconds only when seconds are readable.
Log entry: 5:30
